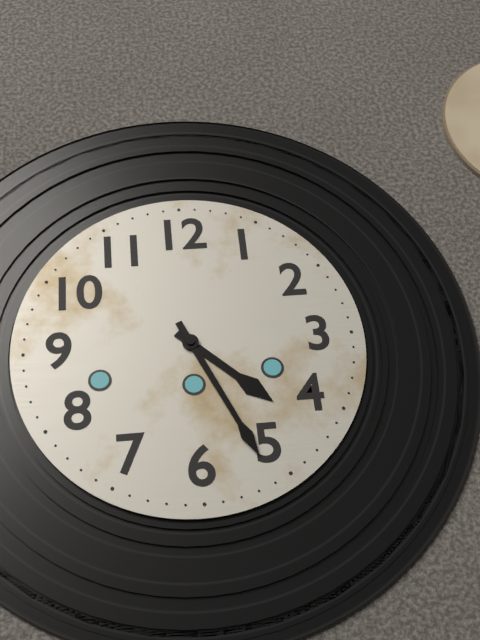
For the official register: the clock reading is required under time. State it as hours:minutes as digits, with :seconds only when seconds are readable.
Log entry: 4:26
